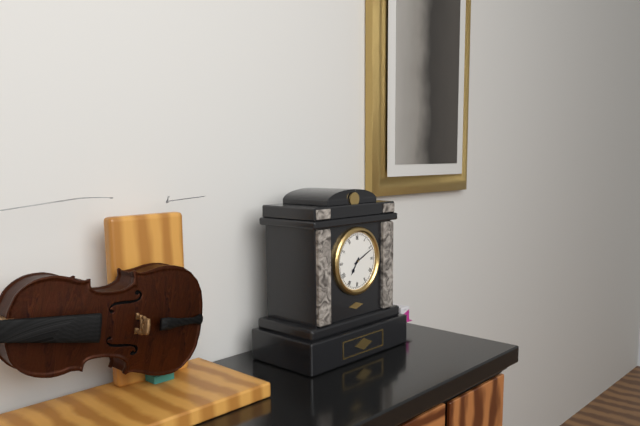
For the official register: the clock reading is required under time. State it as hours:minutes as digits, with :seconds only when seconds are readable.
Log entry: 7:11
